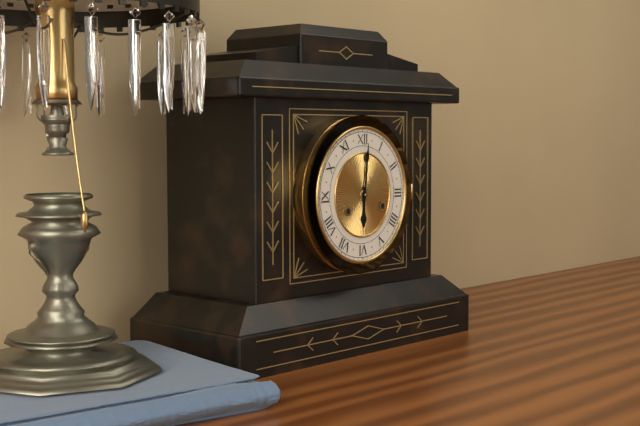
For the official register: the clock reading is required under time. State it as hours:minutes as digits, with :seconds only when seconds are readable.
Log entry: 6:01
